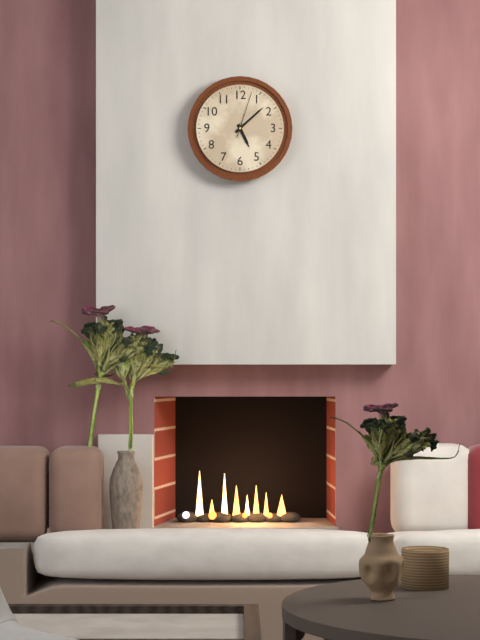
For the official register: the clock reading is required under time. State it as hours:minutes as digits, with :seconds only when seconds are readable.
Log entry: 5:08
